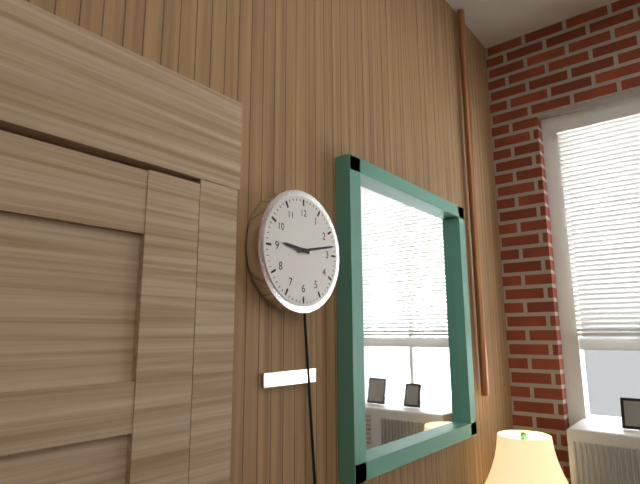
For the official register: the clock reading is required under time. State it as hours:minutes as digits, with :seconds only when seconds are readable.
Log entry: 9:13
